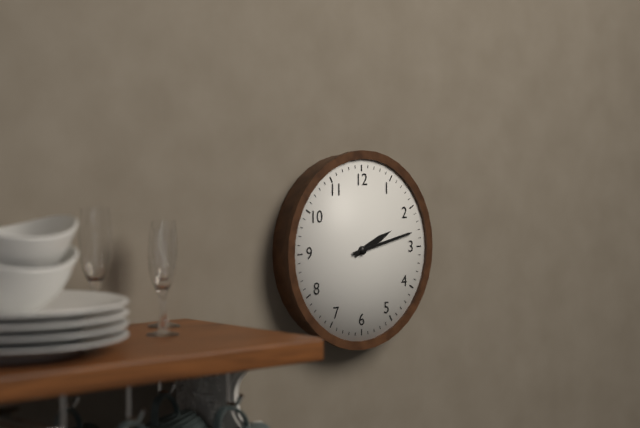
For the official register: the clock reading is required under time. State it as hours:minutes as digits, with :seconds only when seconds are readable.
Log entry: 2:13
